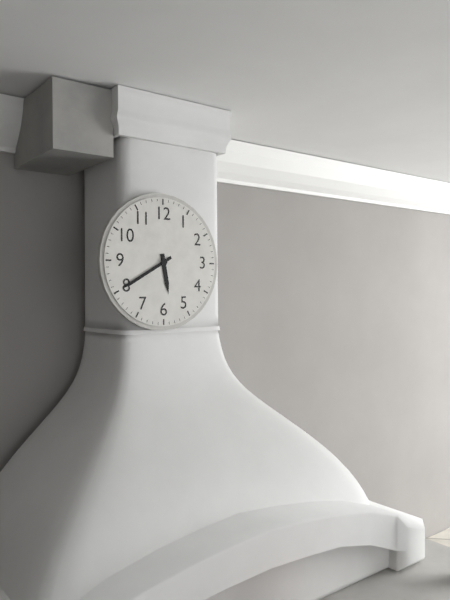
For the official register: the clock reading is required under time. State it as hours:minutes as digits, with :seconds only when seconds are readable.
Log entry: 5:40
